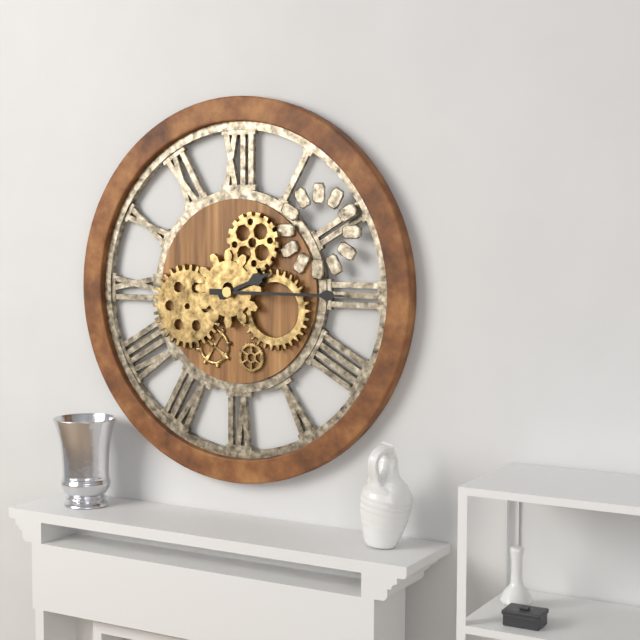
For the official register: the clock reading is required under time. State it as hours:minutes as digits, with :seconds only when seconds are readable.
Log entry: 2:15
